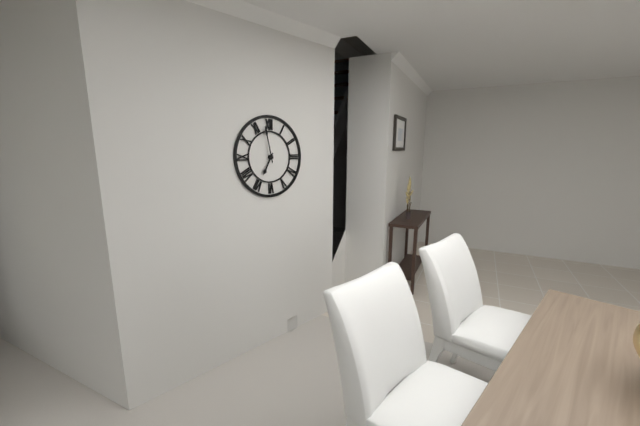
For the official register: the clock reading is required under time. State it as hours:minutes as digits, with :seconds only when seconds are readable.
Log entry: 6:58
